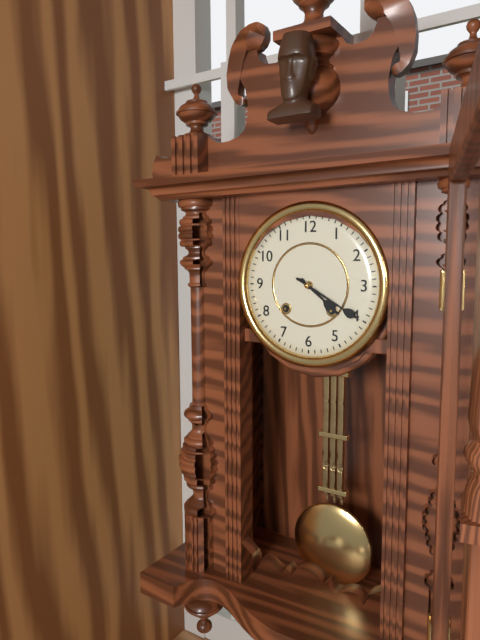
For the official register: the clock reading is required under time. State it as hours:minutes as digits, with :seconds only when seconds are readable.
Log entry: 4:20
